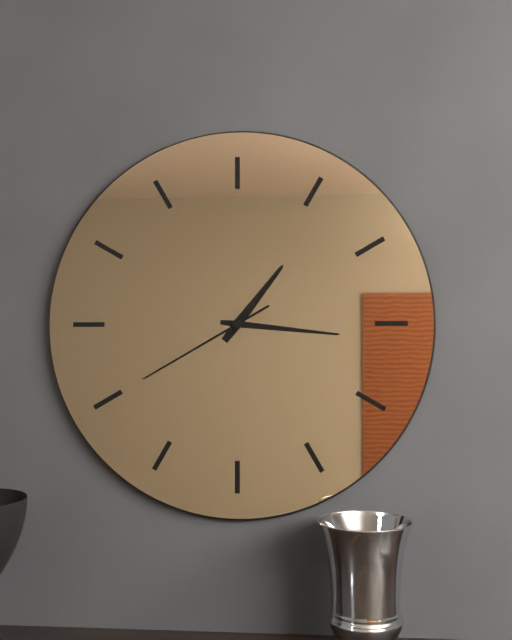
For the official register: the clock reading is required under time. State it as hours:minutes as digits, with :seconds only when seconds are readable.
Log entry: 1:16:40
